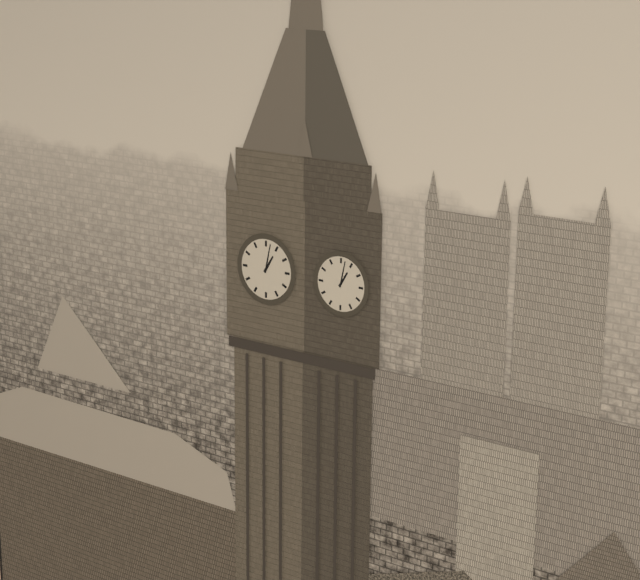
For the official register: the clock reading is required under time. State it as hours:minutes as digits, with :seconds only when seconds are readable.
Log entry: 1:02
